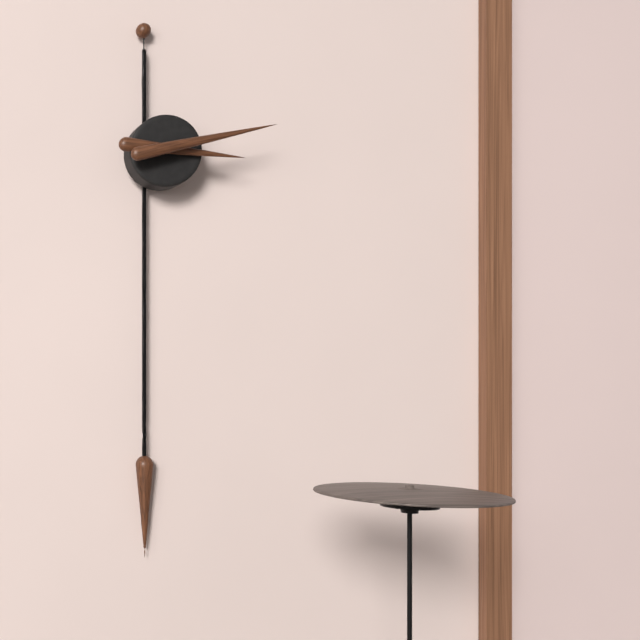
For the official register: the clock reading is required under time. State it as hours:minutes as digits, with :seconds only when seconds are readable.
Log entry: 3:13
